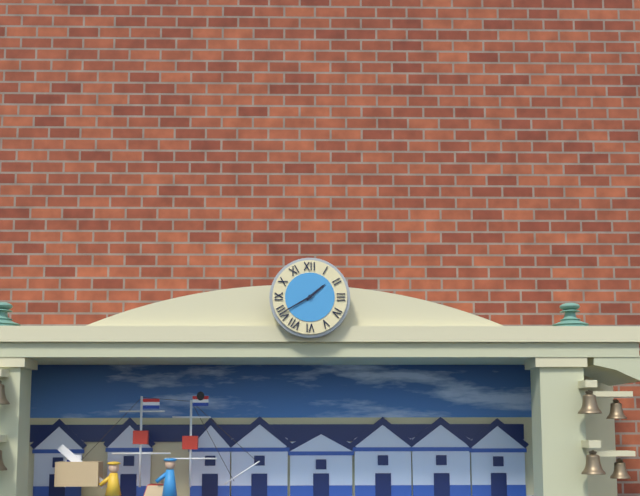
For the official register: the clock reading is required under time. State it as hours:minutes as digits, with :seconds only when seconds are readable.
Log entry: 1:40
